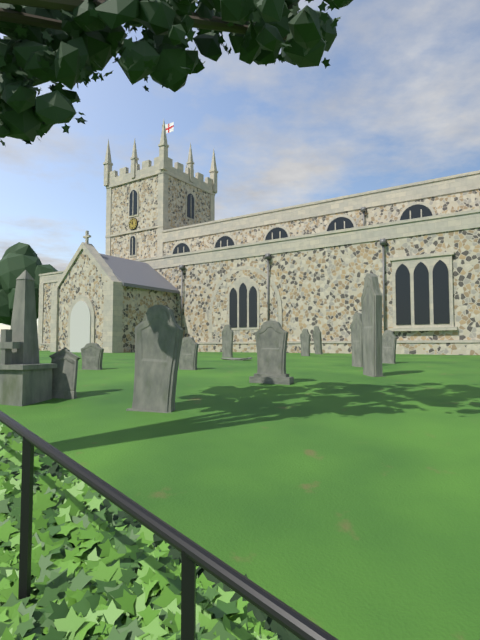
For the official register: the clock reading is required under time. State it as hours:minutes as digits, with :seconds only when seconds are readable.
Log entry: 11:52
